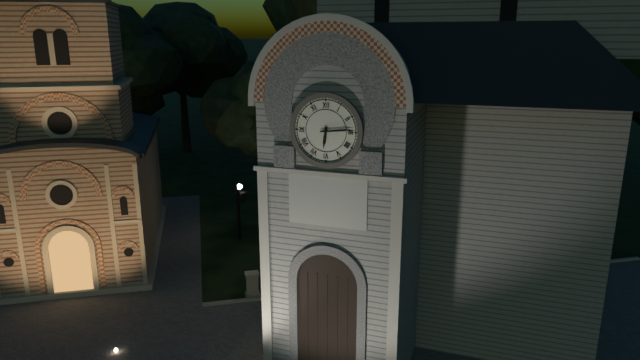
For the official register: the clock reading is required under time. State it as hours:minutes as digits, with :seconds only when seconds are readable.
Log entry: 6:14
